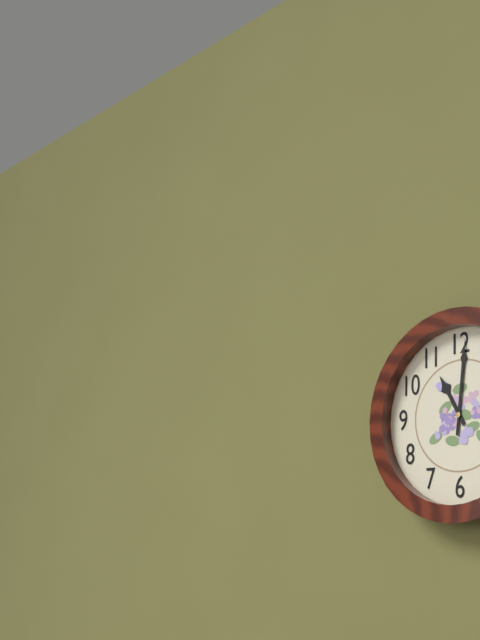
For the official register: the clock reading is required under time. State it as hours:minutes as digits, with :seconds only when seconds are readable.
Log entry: 11:01
